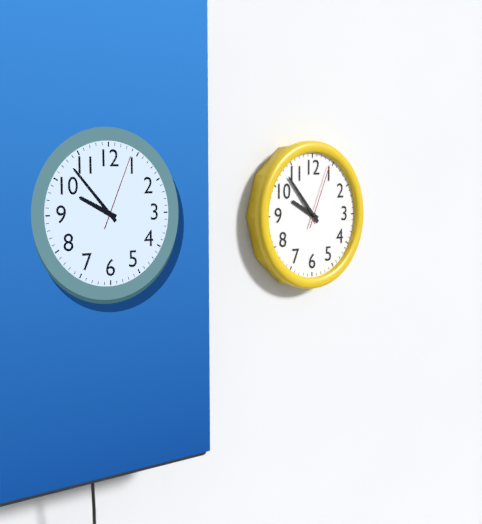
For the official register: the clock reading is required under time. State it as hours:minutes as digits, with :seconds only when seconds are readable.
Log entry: 9:53:04
